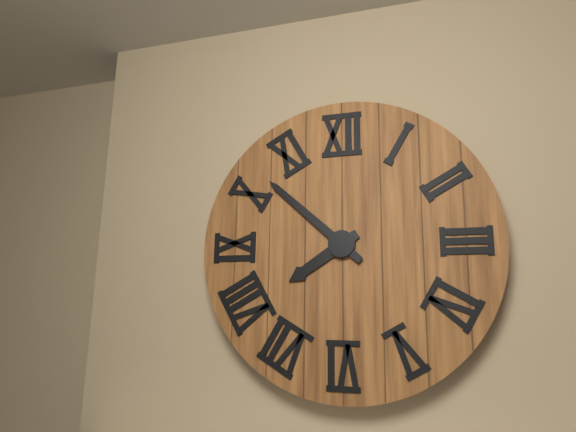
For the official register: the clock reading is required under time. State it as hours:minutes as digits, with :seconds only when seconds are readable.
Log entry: 7:52
